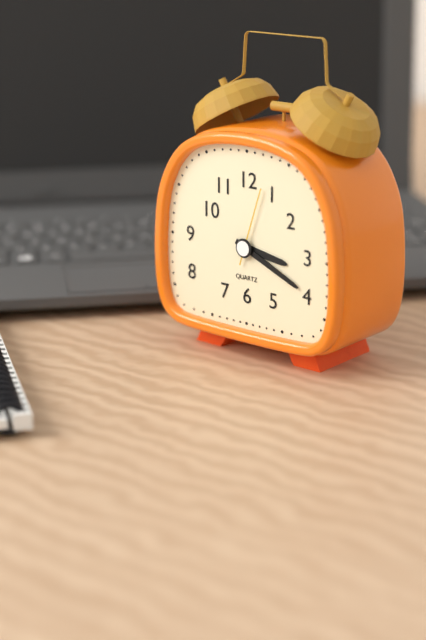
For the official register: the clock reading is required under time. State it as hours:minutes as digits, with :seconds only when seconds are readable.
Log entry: 3:19:03
